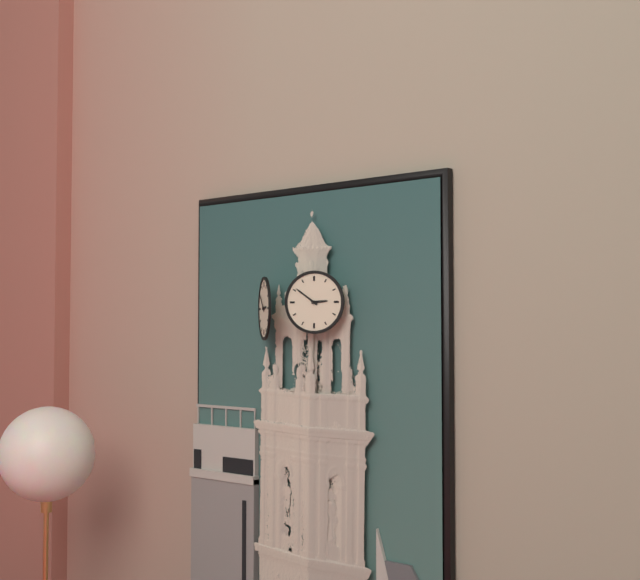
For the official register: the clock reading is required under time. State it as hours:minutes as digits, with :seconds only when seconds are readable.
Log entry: 2:51
